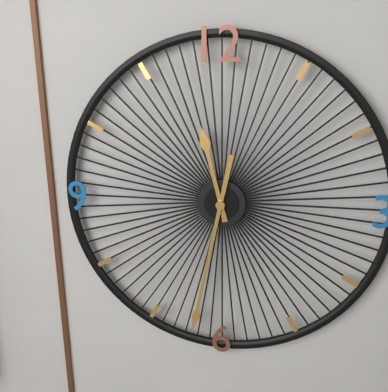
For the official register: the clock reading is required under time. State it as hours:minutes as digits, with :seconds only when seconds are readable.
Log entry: 11:32
